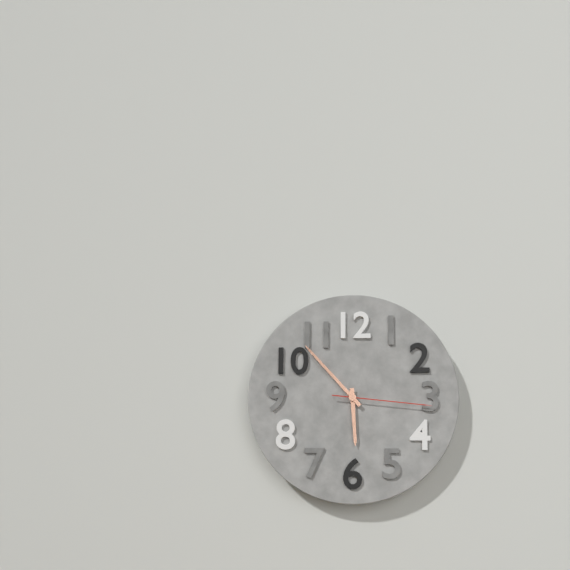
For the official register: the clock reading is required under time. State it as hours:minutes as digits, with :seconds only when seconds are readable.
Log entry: 5:53:16
